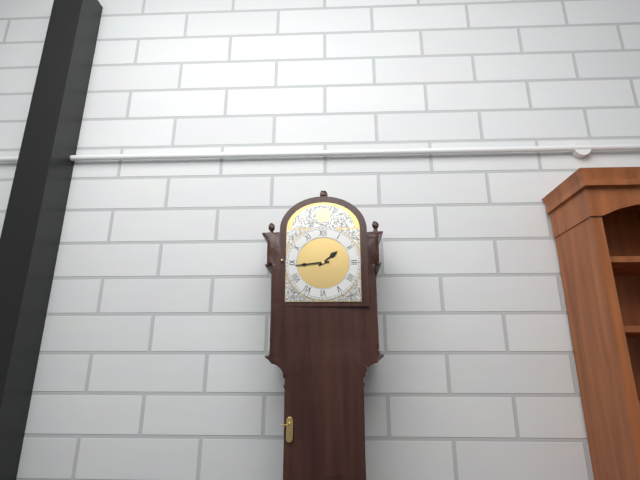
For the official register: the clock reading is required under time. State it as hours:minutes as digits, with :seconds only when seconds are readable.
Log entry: 1:44
